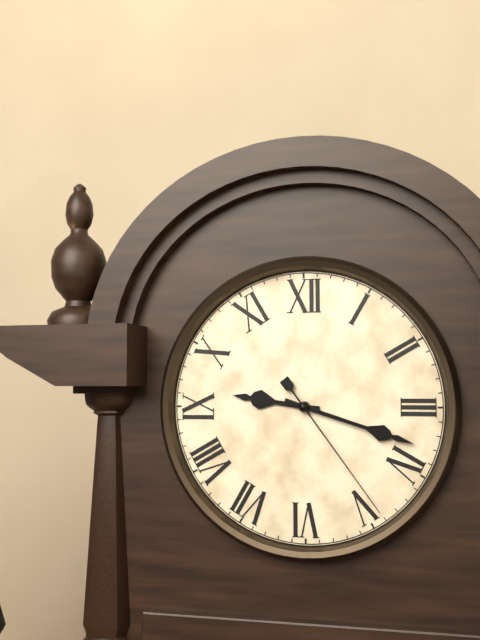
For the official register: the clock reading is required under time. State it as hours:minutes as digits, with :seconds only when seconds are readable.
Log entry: 9:18:24
